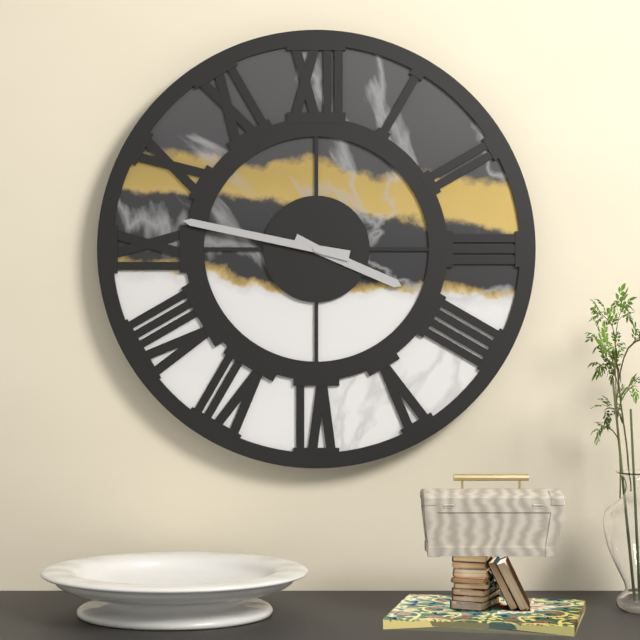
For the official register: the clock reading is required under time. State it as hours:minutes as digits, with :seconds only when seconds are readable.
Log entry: 3:47
